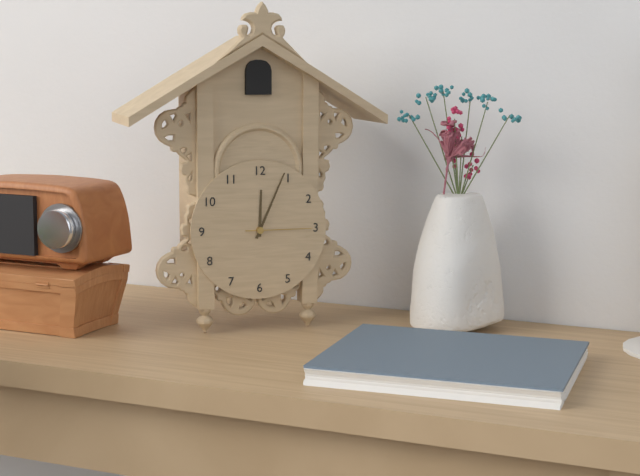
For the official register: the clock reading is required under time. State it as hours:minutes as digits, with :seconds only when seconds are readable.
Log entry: 12:04:15
